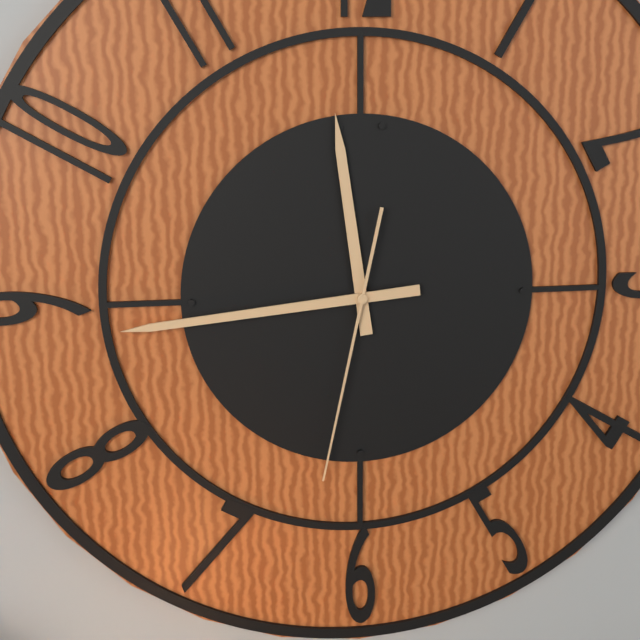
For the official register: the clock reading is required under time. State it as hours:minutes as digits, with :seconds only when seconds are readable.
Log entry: 11:44:32
